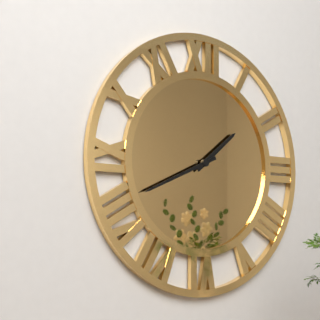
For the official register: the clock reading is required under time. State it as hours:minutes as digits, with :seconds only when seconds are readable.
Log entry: 1:41
